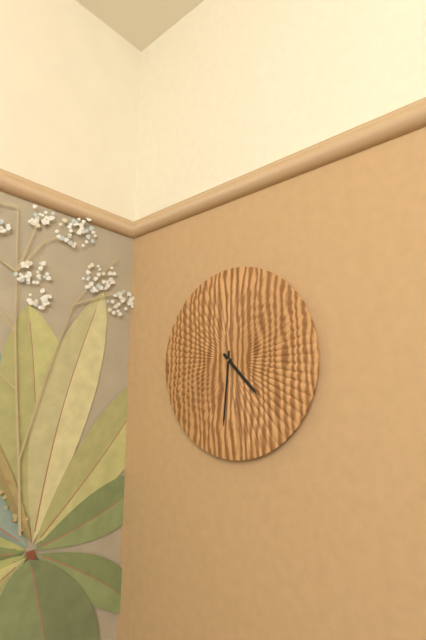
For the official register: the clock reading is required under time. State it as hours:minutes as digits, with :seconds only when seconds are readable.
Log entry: 4:31
